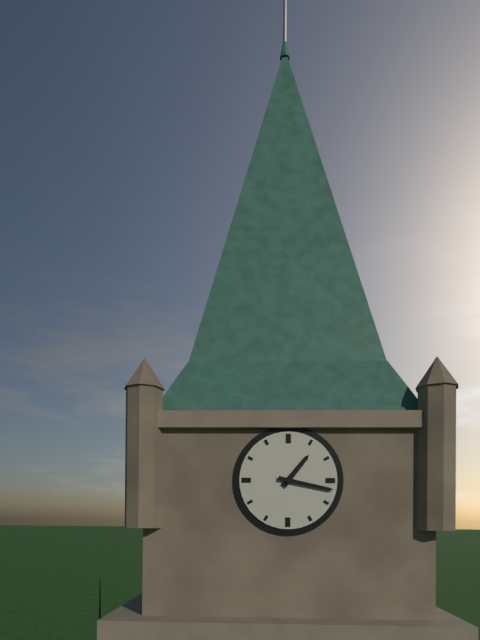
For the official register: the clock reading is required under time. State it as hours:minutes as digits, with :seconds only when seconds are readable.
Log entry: 1:17
